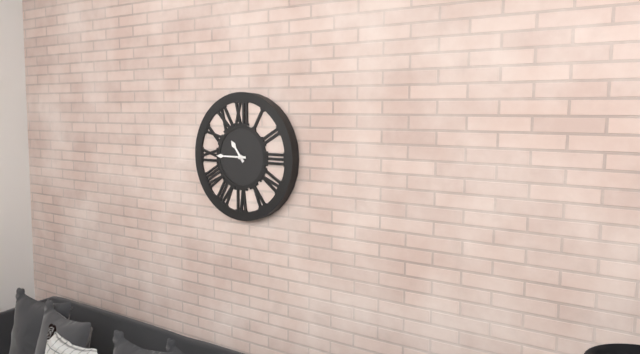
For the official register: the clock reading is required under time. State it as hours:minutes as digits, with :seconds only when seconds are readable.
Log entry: 10:45
